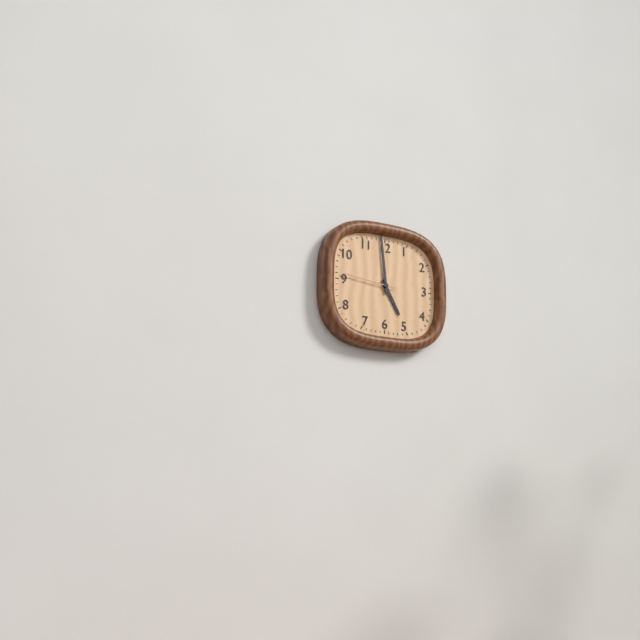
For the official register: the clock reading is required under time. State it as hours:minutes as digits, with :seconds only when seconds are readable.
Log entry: 4:59:46
